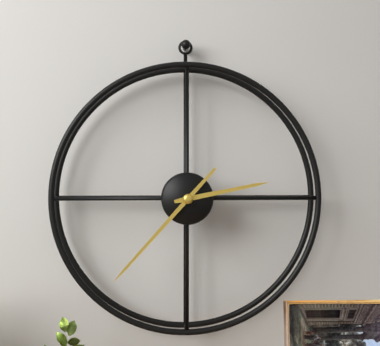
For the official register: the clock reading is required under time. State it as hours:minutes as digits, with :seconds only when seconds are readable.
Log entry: 2:37
